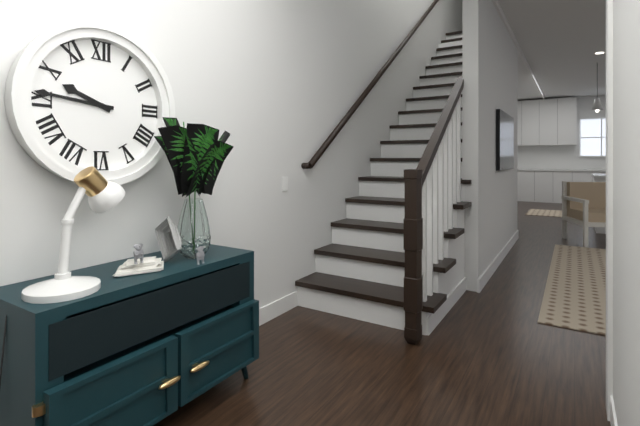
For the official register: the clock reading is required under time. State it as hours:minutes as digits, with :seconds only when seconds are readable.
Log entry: 9:46
